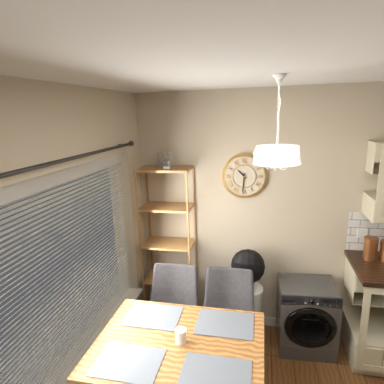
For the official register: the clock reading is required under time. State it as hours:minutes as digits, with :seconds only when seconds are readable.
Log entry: 10:31
